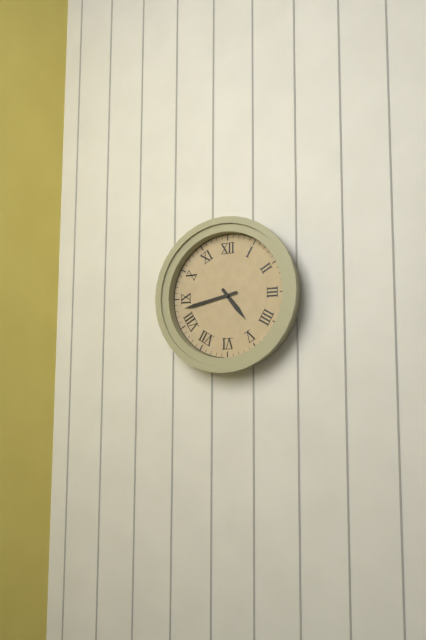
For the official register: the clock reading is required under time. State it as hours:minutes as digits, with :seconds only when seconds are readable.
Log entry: 4:43
